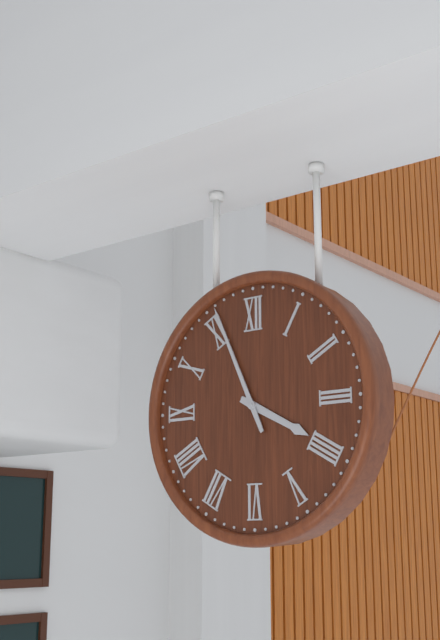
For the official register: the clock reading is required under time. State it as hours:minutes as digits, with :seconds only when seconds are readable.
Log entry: 3:56
